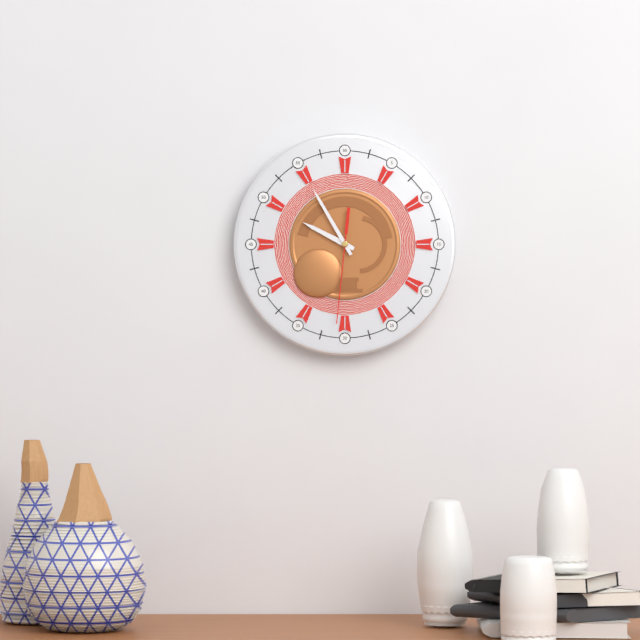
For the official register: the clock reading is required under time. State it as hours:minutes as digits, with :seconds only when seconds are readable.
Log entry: 9:55:31
